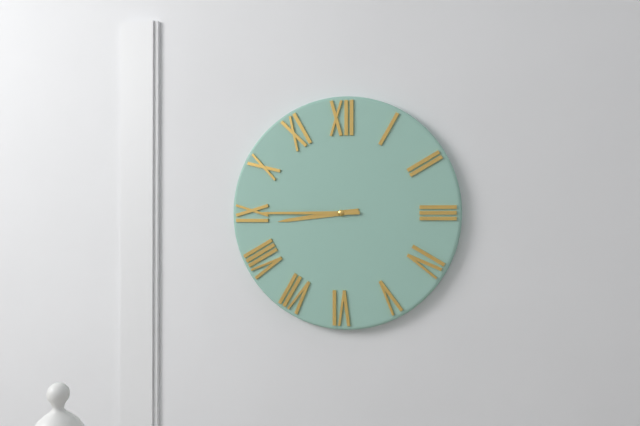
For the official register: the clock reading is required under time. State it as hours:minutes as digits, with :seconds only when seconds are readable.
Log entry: 8:45
